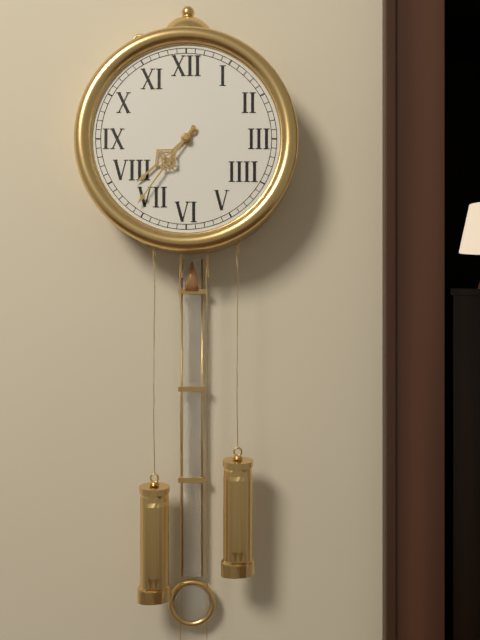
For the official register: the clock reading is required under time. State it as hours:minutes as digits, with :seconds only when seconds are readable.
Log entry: 7:36
